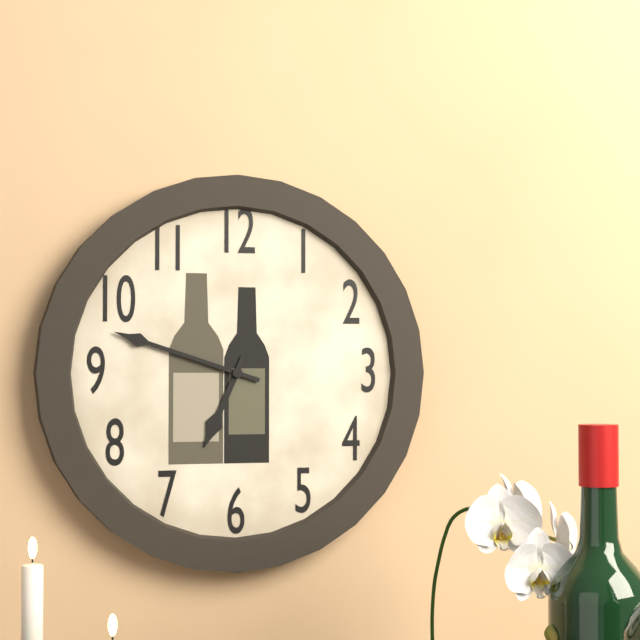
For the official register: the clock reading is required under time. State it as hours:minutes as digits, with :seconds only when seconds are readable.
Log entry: 6:48
